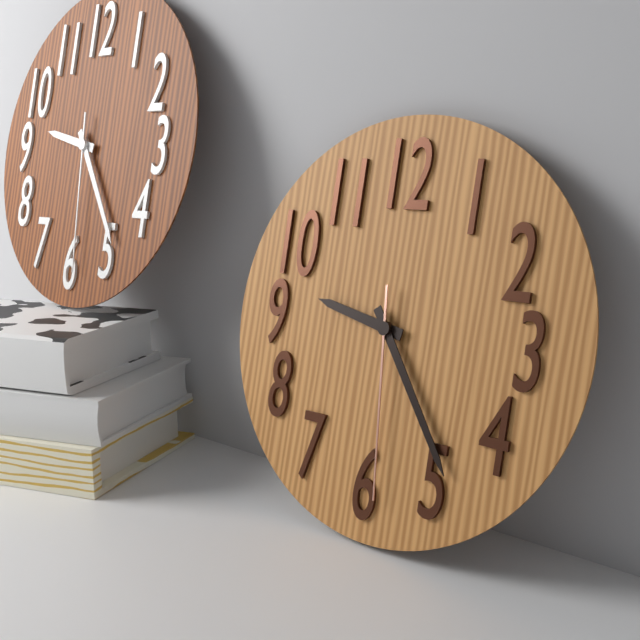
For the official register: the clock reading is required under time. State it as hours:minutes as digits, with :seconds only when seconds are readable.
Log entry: 9:24:29
